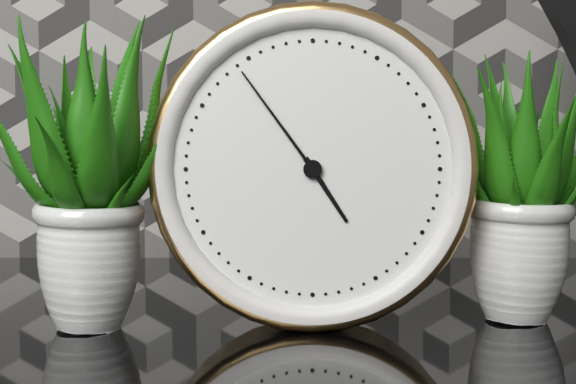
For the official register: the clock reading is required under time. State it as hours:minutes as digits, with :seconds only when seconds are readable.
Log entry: 4:54
